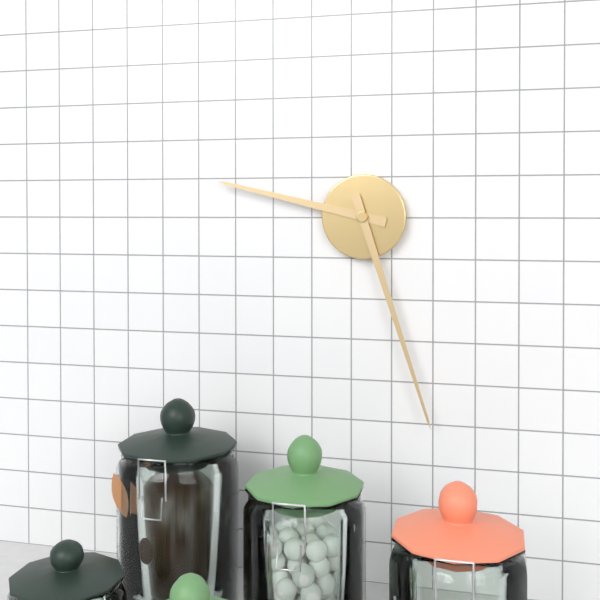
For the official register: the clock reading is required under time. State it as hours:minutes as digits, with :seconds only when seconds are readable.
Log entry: 9:27
